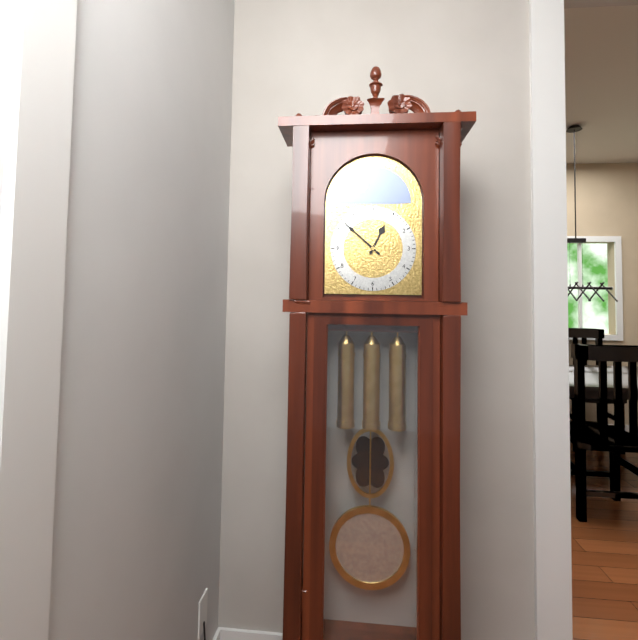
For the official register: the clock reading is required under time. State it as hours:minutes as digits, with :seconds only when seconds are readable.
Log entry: 12:52
